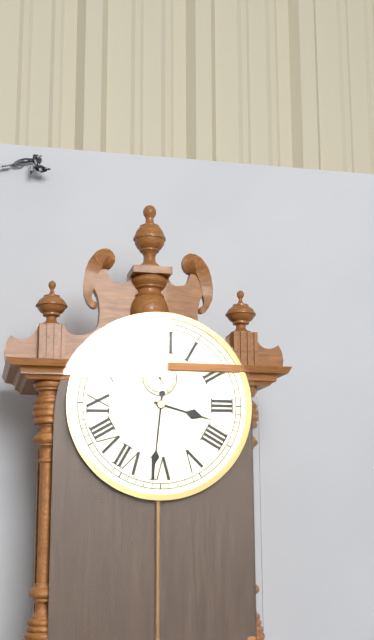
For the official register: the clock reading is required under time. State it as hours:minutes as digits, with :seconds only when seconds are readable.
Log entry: 3:31
